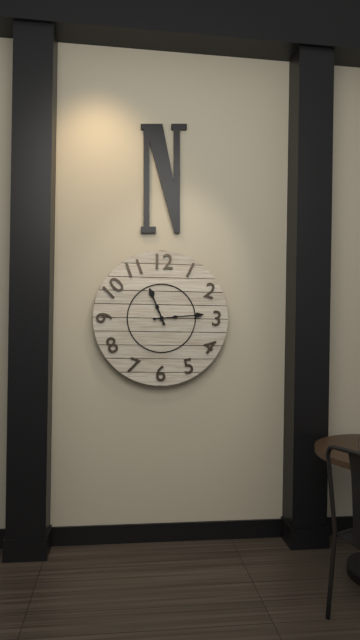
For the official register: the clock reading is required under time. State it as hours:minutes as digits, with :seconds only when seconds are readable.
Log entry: 11:14
